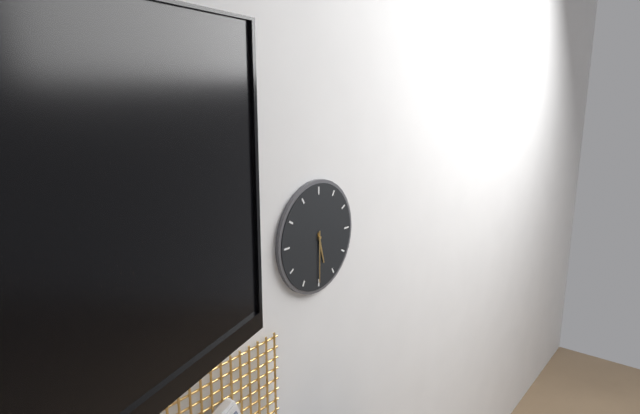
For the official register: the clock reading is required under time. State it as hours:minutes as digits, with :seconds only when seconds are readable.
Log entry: 5:30
